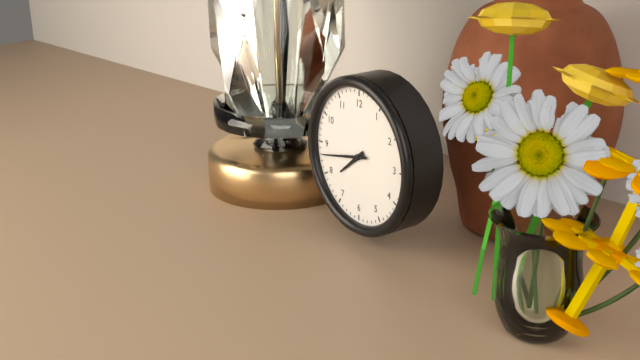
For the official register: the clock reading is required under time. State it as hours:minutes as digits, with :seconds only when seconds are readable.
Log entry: 7:43
